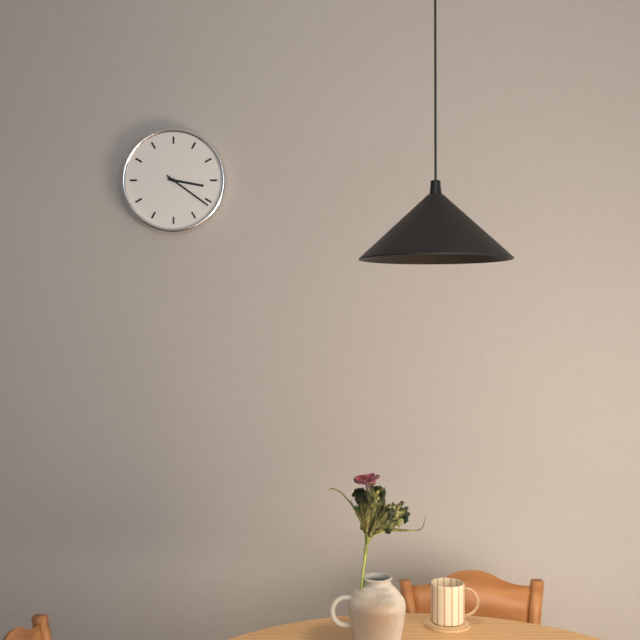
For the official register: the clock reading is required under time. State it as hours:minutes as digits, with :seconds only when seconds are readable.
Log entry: 3:21
